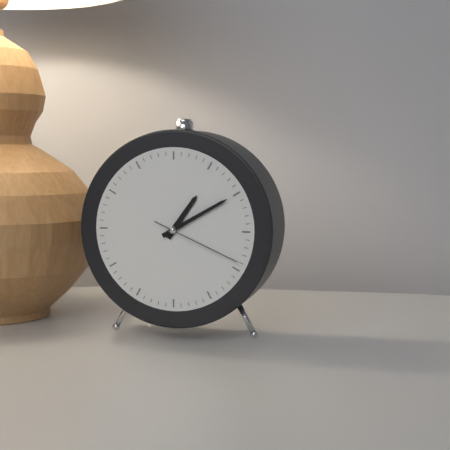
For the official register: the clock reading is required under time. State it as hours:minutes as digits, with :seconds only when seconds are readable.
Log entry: 1:10:19
